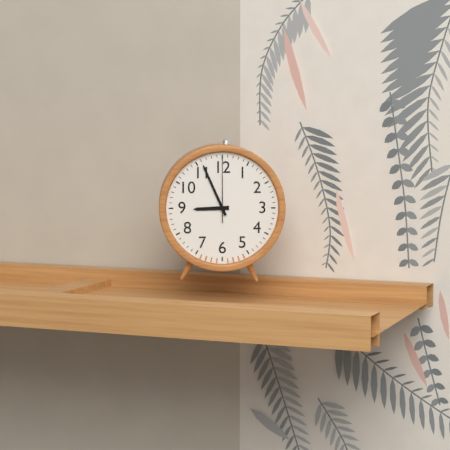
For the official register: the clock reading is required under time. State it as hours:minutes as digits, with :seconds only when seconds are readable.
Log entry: 8:56:00
